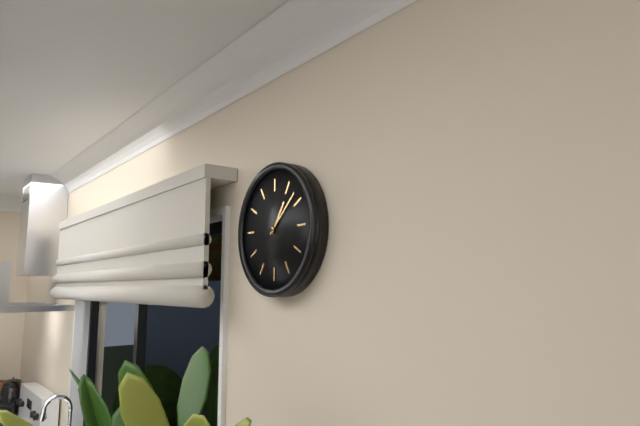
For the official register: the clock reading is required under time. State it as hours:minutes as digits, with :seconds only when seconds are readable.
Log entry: 1:08
